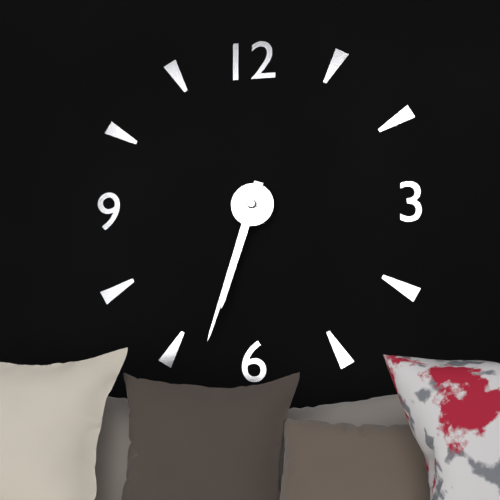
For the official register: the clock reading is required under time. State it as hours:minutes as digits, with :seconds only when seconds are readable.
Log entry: 6:33
